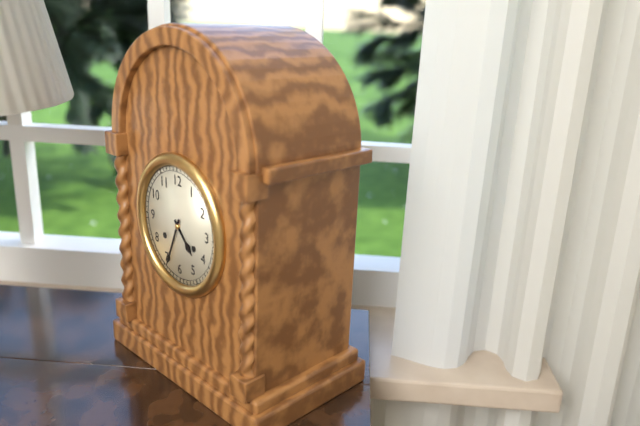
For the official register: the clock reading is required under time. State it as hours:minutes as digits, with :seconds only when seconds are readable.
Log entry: 4:34
